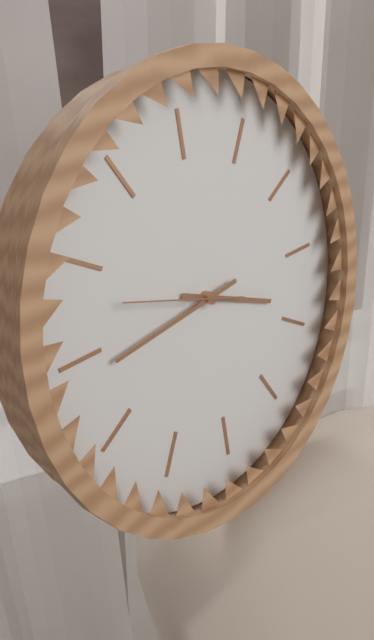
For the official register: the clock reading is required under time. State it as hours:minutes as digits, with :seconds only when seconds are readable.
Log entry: 3:44:48
